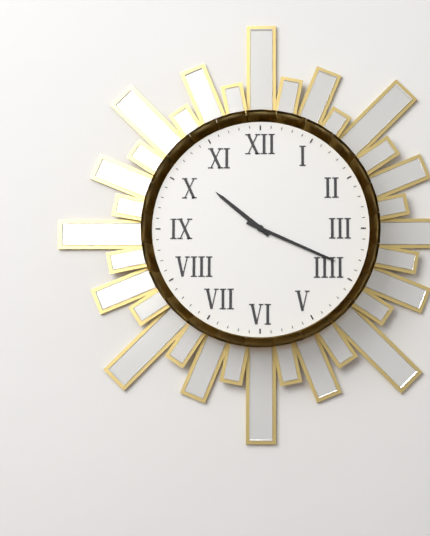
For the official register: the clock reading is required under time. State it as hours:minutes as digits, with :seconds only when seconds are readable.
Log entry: 10:19
